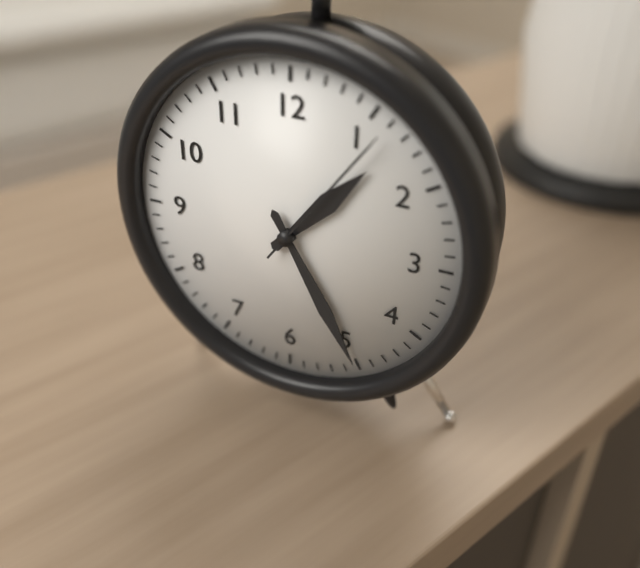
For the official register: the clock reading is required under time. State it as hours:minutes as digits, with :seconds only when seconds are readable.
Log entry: 1:25:06
